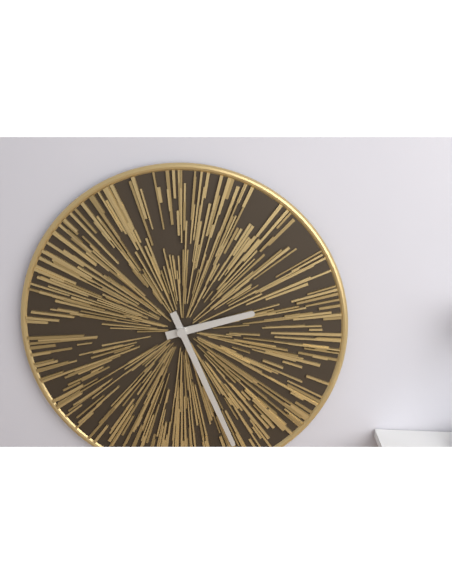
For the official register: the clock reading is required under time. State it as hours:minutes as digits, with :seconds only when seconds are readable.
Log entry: 2:26
